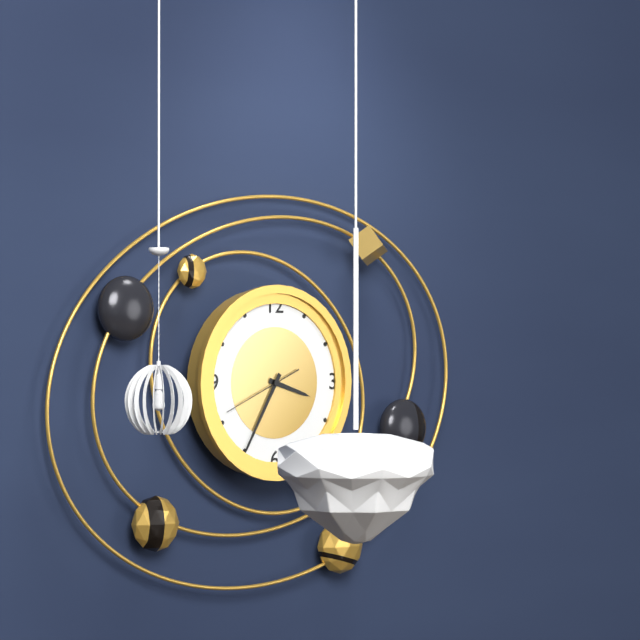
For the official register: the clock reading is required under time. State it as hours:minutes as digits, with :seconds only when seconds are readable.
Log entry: 3:35:41
